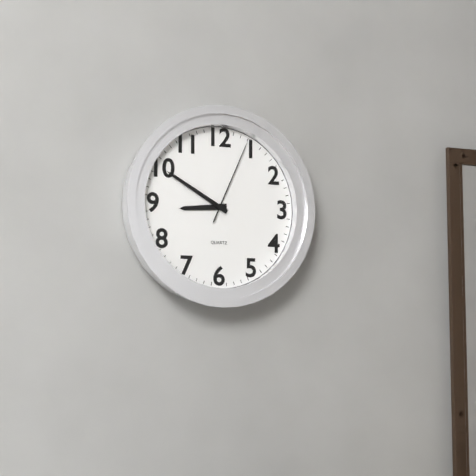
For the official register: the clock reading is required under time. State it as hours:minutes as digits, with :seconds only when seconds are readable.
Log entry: 8:50:04
